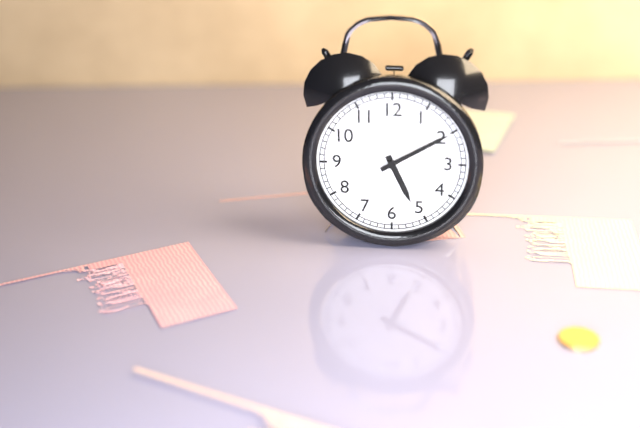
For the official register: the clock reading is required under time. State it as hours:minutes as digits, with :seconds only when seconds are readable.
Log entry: 5:10
